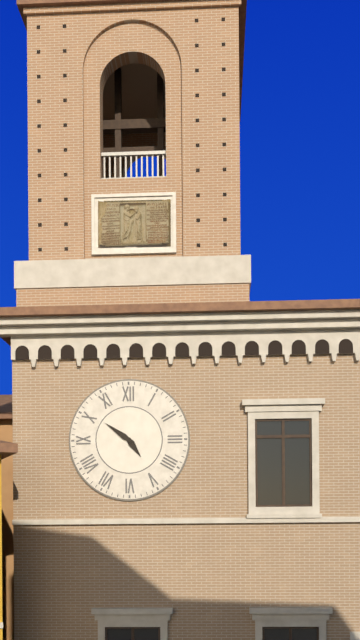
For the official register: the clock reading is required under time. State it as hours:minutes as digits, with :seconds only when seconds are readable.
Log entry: 4:51
